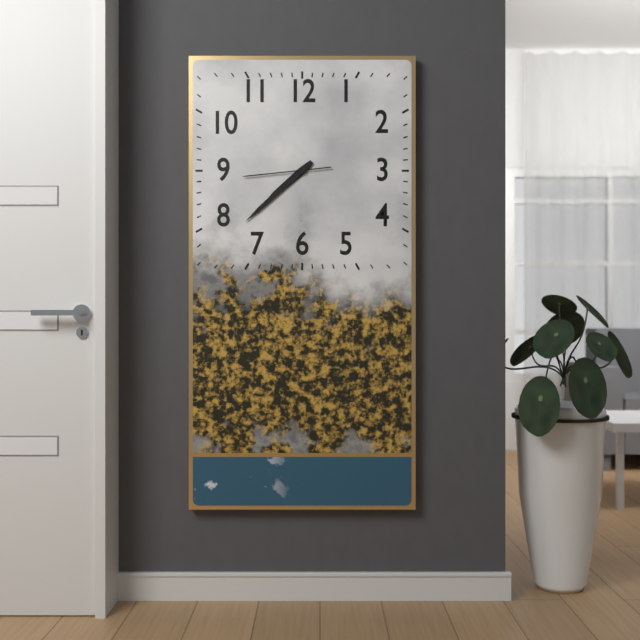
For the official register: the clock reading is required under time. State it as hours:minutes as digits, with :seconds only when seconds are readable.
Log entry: 7:38:44
